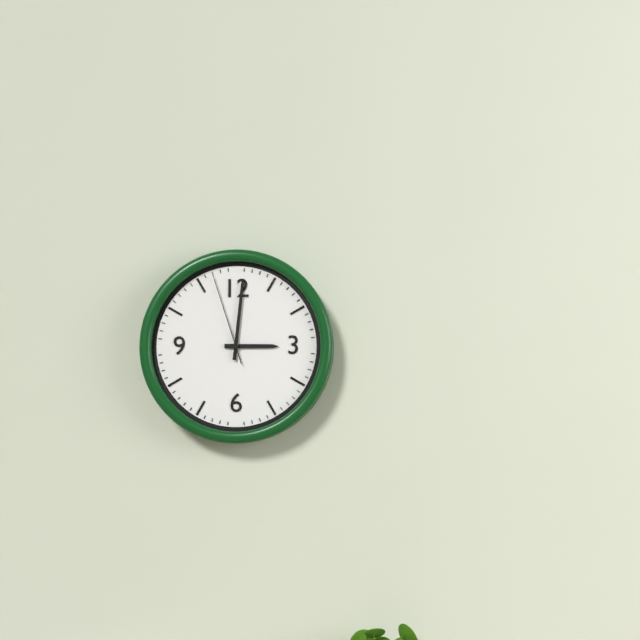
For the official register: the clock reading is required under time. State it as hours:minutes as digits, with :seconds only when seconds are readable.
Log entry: 3:01:57
